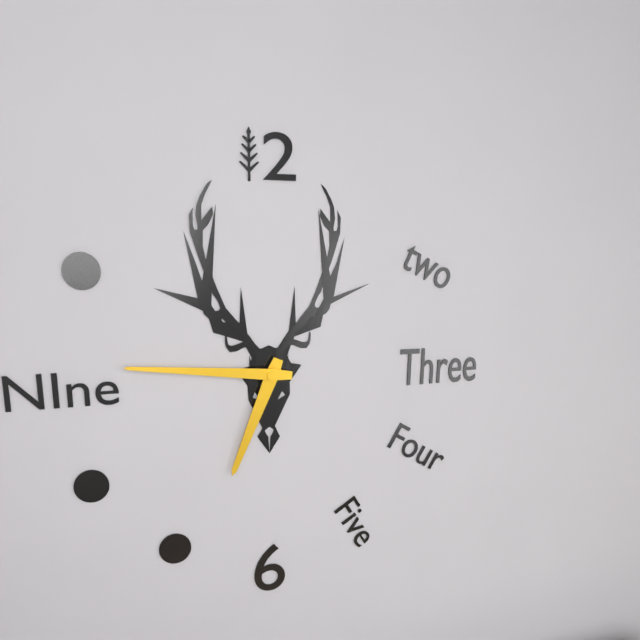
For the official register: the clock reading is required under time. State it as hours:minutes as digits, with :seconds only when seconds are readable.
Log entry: 6:46
